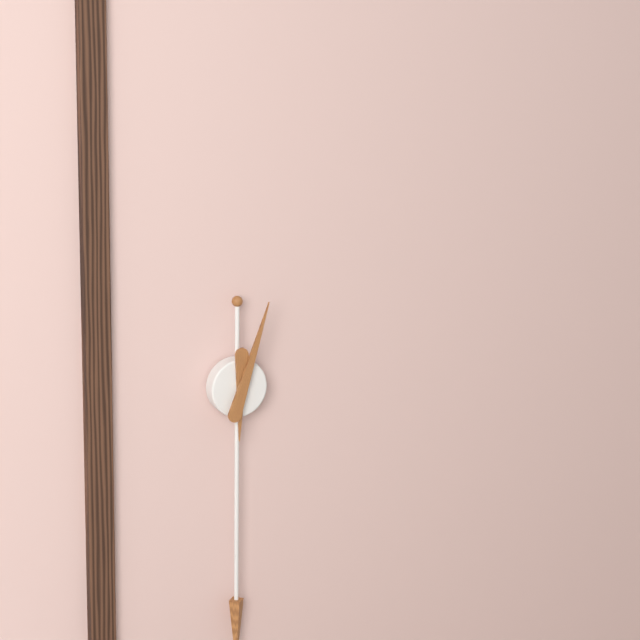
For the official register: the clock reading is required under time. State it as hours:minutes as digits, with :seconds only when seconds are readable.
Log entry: 6:03
